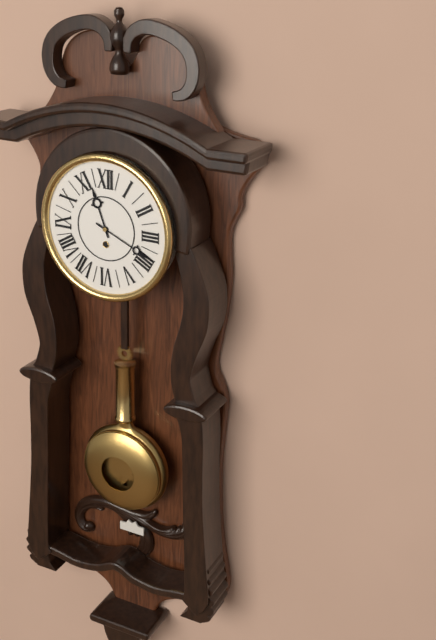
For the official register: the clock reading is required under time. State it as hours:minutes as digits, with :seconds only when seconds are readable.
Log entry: 11:19
